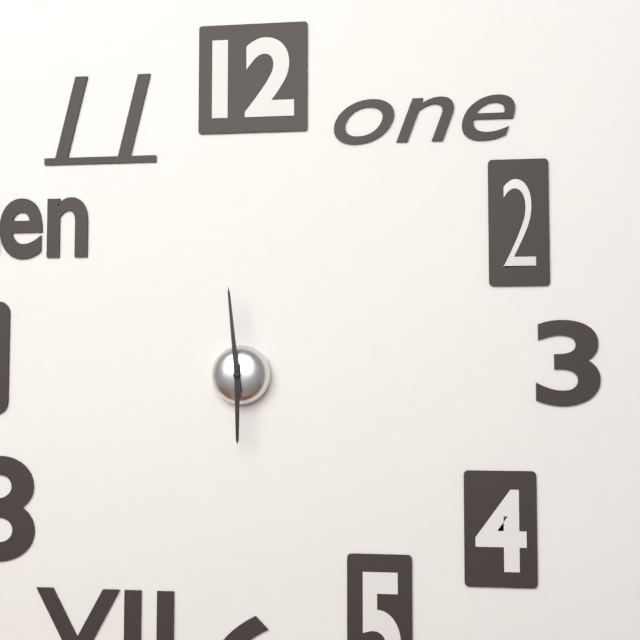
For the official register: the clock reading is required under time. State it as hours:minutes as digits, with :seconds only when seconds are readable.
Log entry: 5:59
